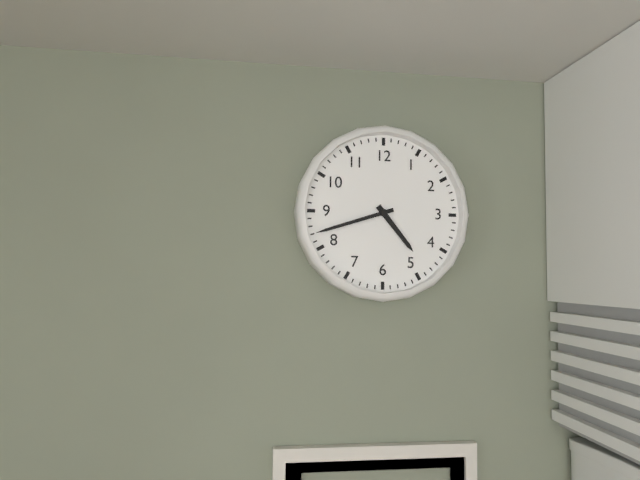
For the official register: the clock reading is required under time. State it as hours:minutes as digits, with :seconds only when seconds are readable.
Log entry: 4:42
